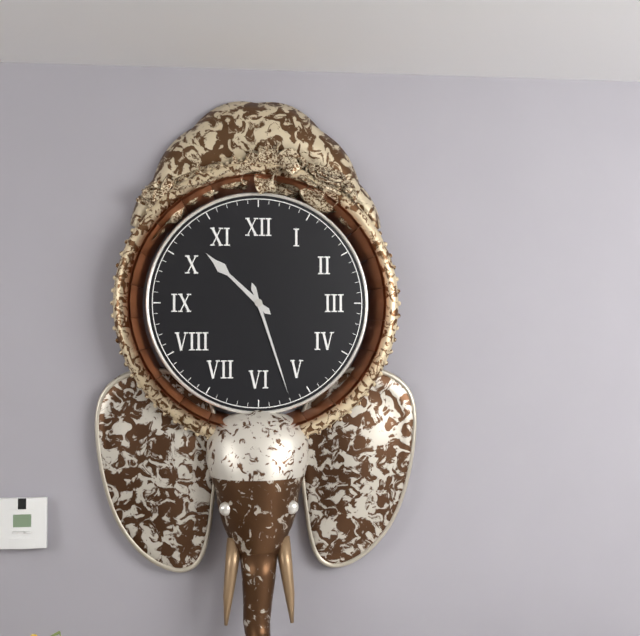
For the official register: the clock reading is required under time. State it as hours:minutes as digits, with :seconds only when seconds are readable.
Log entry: 10:27
